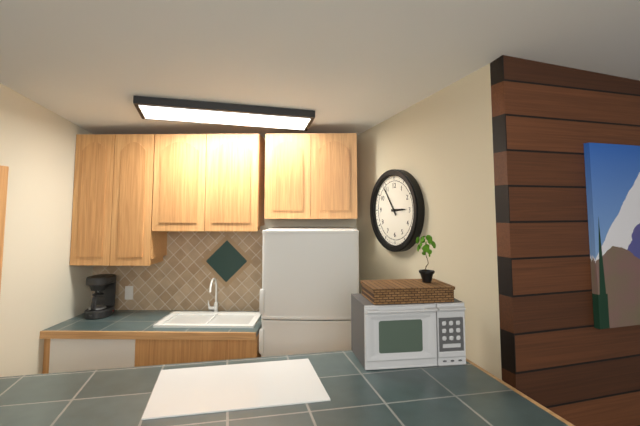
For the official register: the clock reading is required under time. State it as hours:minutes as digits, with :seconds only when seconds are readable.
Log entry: 2:54
